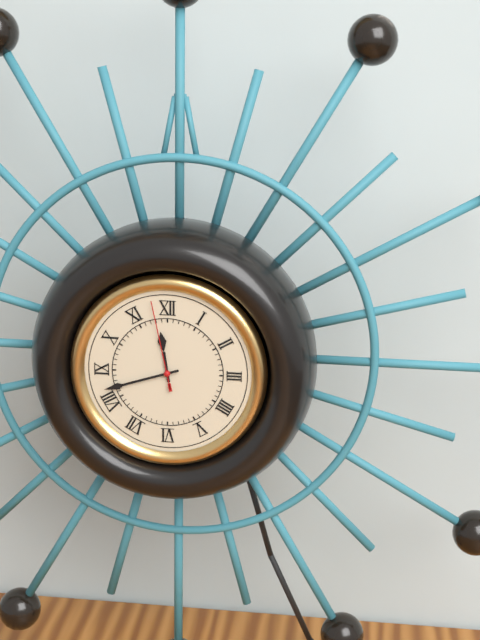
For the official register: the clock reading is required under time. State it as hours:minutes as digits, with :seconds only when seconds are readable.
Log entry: 11:42:58
